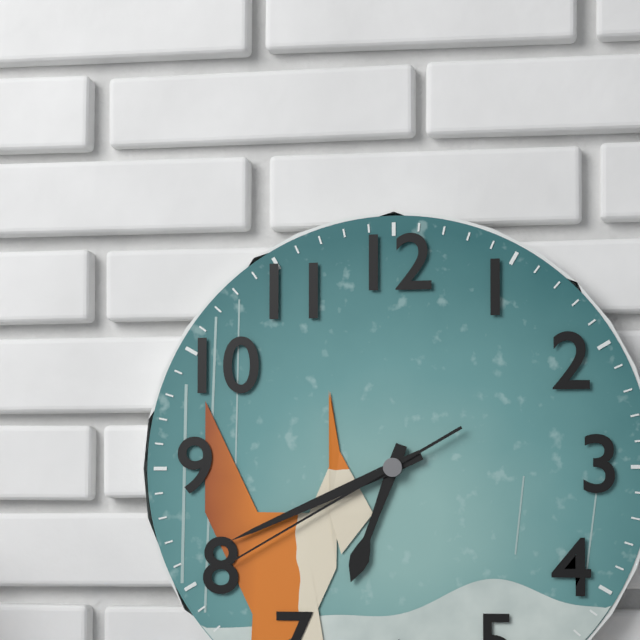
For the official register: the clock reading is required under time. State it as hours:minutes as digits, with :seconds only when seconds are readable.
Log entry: 6:41:40
